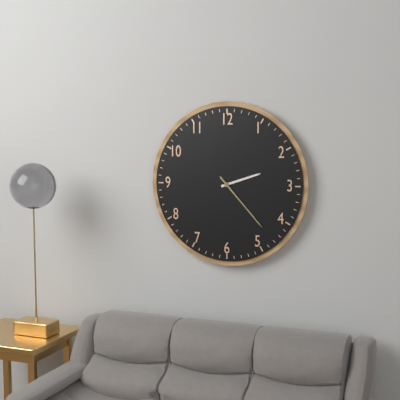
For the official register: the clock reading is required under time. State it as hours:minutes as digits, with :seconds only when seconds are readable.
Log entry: 2:23
